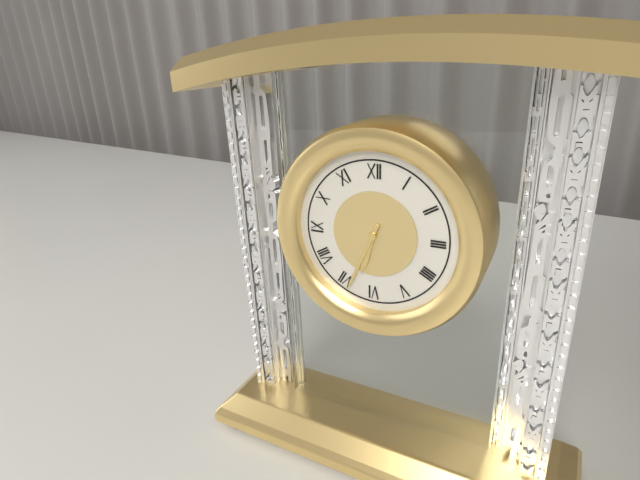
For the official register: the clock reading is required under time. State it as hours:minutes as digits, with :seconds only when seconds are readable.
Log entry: 6:34
